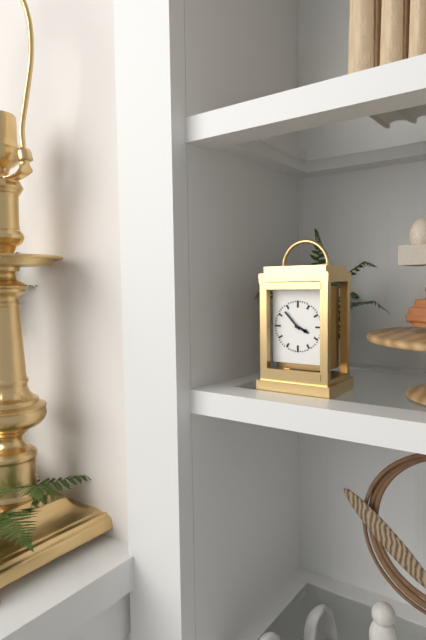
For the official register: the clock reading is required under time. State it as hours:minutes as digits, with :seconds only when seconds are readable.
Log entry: 3:53
